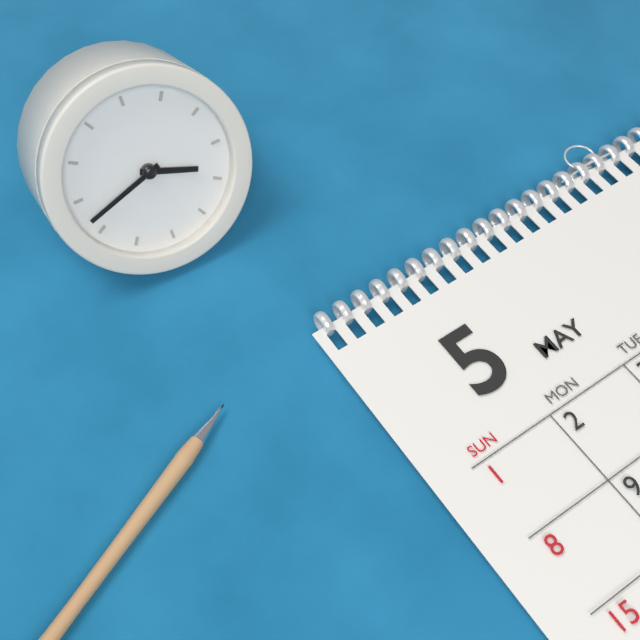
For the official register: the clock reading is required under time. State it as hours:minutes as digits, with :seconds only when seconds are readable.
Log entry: 3:42
